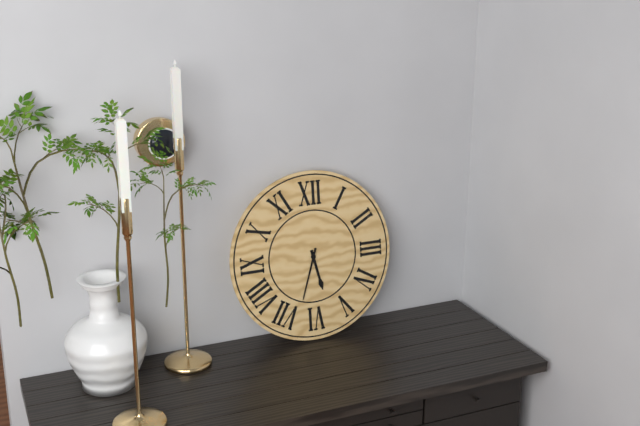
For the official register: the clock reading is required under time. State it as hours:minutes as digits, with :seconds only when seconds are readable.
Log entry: 5:33
